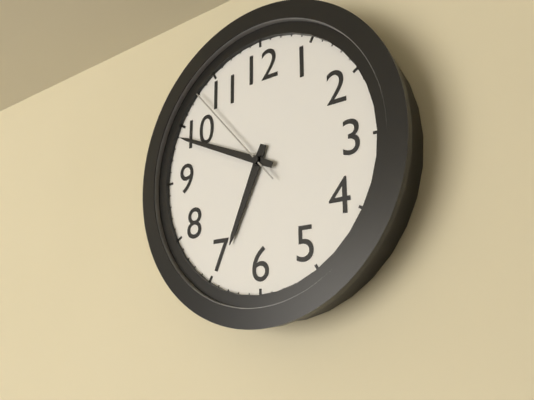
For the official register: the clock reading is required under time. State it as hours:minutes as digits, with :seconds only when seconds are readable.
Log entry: 6:49:53
